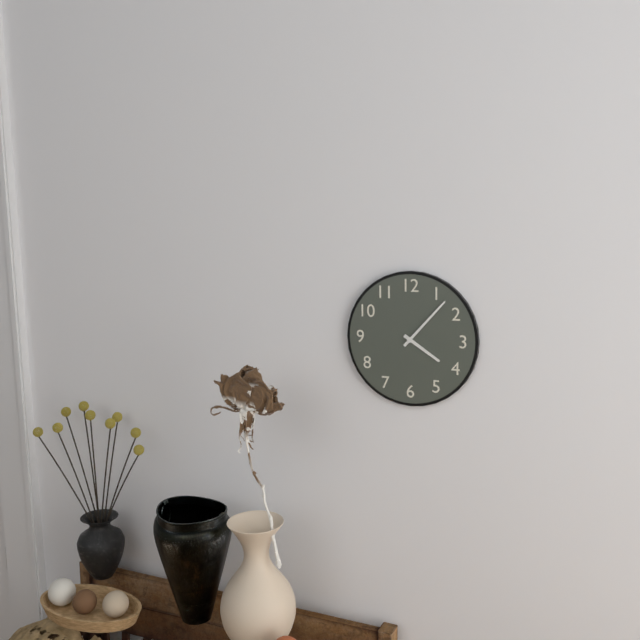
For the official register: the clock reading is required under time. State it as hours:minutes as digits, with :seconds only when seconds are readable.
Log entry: 4:07
